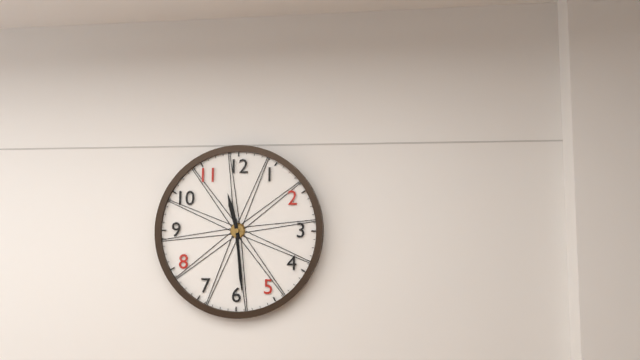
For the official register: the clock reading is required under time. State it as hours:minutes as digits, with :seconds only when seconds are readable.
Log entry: 11:29
